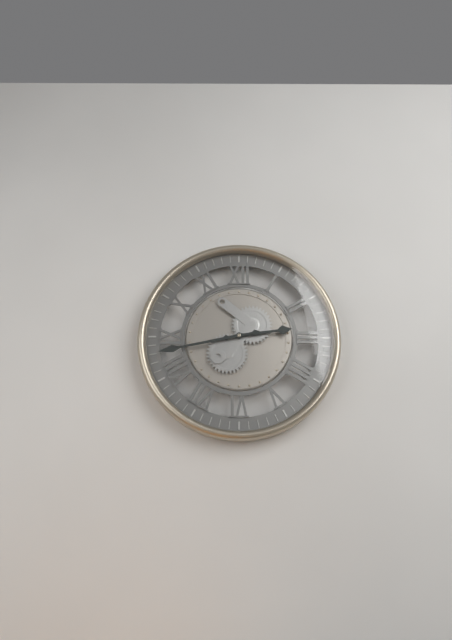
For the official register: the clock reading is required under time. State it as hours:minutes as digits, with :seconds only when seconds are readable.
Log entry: 2:43
